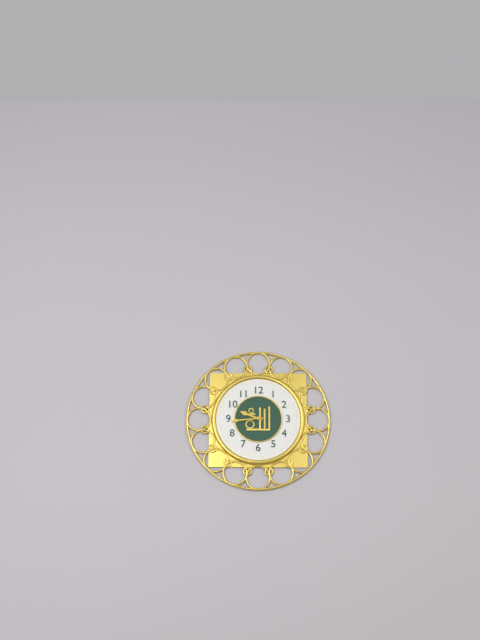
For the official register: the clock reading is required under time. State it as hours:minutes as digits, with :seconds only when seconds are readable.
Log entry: 9:44
